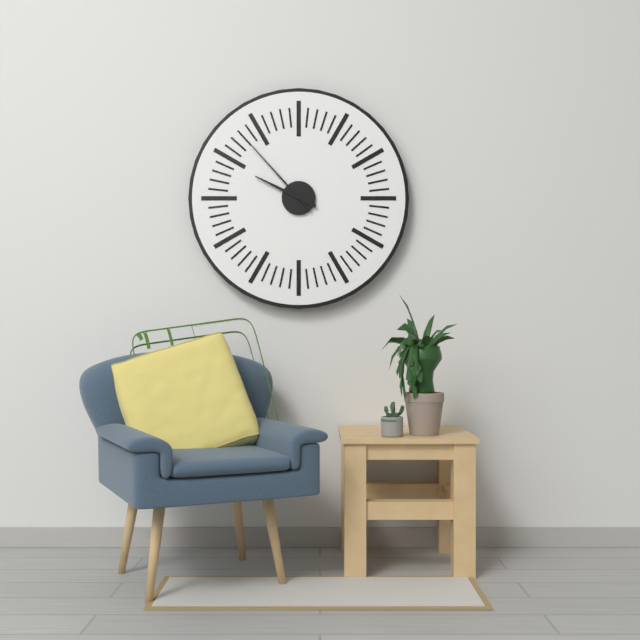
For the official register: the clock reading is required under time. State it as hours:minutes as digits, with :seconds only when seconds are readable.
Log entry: 9:53
